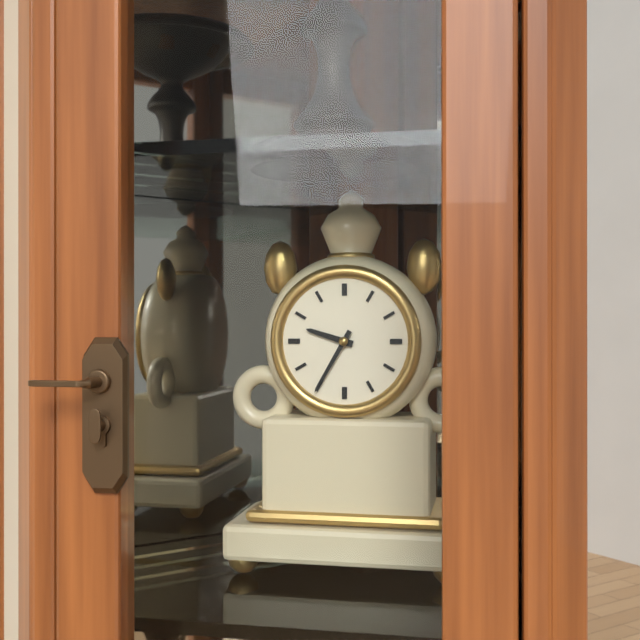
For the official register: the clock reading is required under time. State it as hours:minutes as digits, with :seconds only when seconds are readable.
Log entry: 9:35
